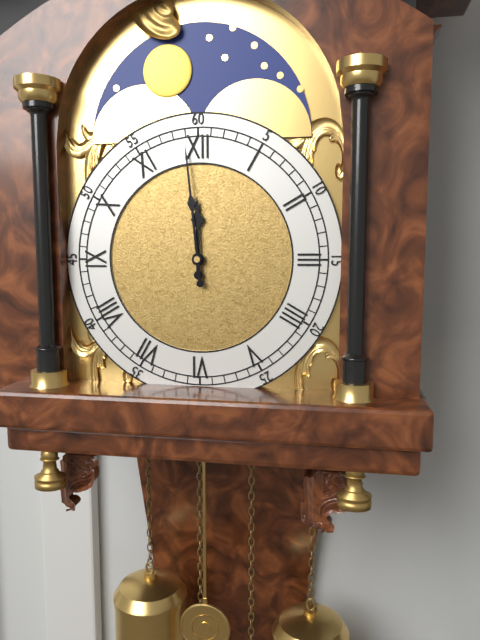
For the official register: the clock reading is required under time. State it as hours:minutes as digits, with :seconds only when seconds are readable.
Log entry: 11:59
